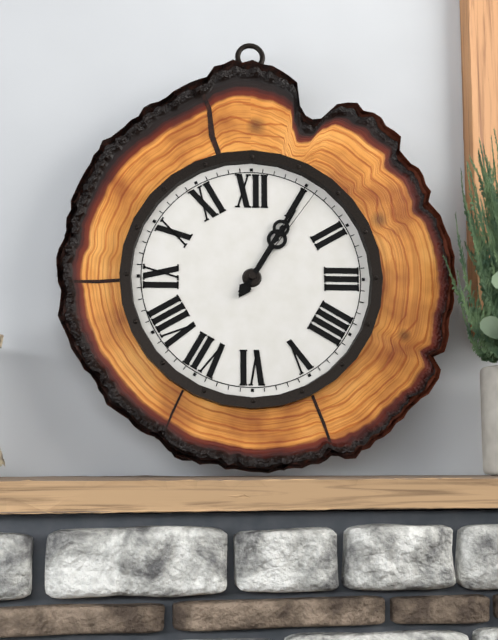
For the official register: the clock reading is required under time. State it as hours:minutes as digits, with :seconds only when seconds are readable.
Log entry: 1:05:06
